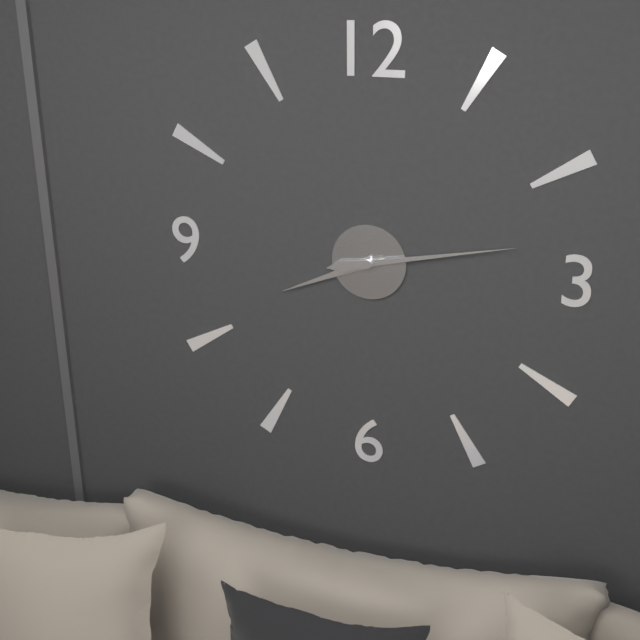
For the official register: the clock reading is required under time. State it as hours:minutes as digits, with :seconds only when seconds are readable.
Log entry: 8:13
